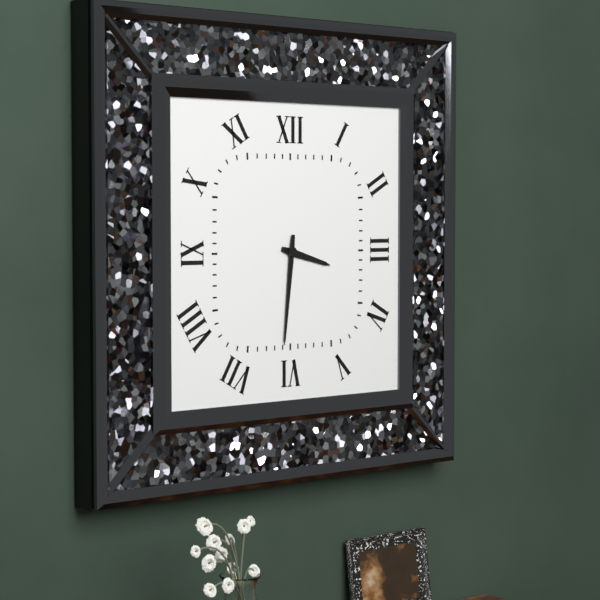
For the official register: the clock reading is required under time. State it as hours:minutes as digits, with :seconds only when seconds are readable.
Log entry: 3:31
